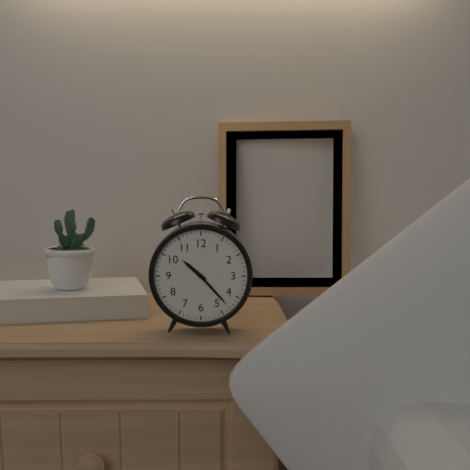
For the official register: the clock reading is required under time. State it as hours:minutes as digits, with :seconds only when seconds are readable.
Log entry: 10:23
